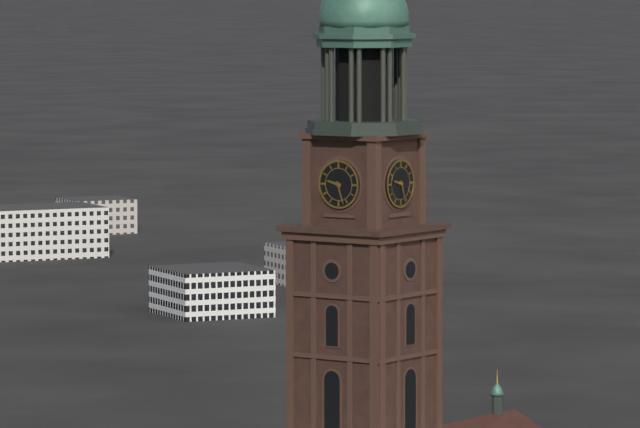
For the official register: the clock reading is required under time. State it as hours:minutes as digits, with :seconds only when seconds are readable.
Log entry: 9:27
